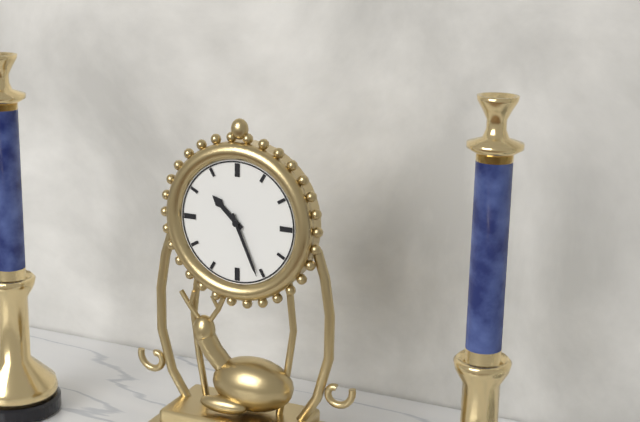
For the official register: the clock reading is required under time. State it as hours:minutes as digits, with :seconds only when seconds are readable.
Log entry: 10:26
